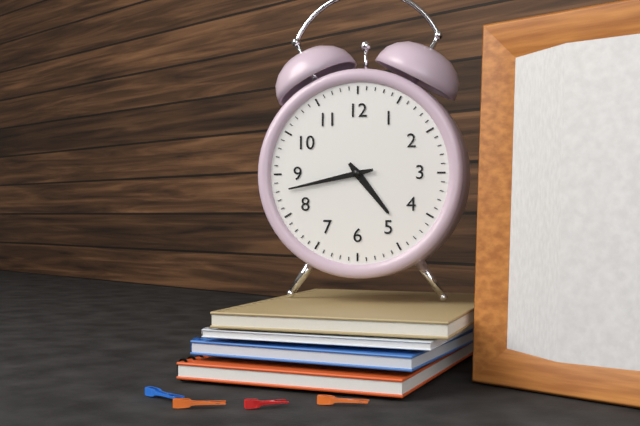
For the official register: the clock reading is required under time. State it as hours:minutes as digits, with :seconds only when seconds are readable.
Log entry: 4:43
